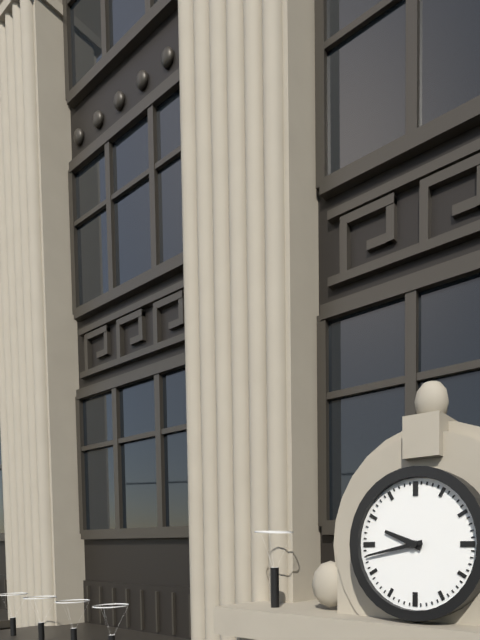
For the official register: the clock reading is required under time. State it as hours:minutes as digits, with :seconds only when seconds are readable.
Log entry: 9:43
